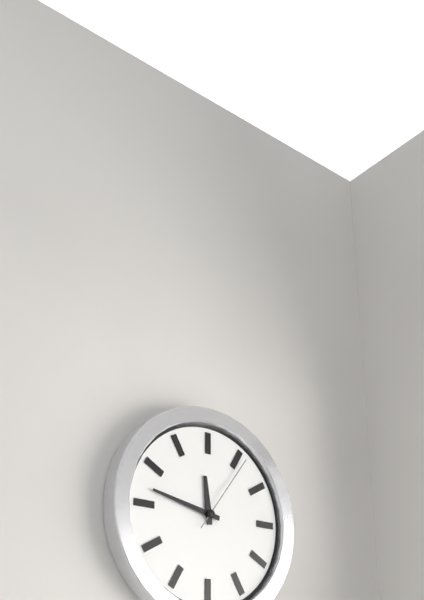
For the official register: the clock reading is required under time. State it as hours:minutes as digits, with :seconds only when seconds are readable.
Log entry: 11:47:06
